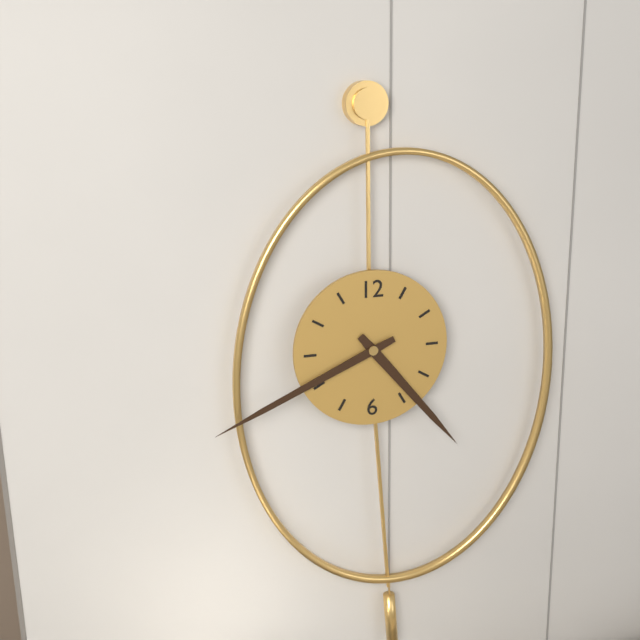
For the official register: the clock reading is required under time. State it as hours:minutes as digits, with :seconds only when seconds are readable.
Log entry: 4:41
